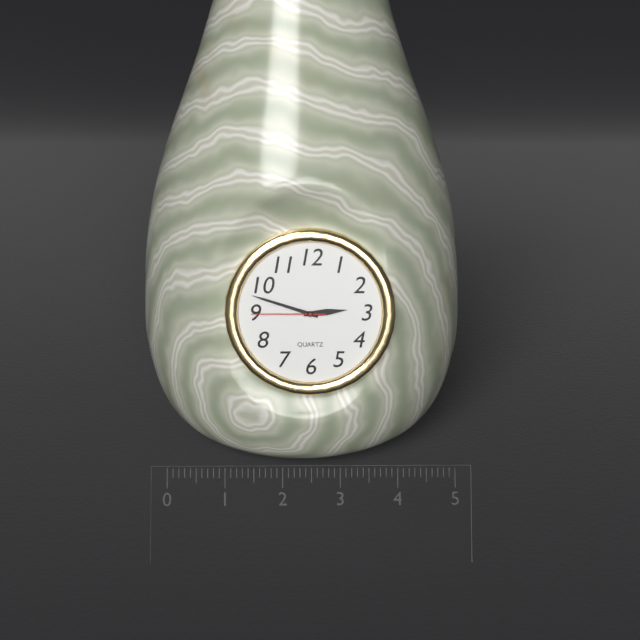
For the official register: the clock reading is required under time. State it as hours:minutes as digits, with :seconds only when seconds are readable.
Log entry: 2:48:45
